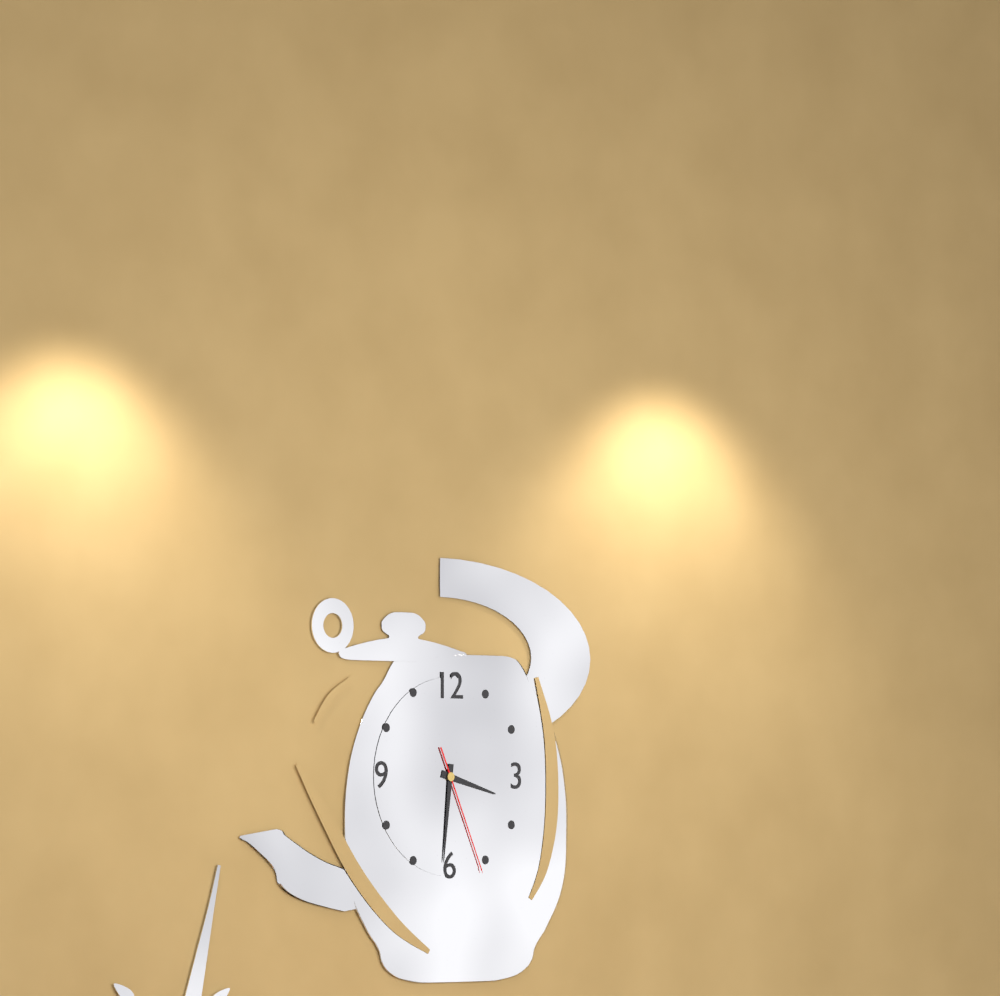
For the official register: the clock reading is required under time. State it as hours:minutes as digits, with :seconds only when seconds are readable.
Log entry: 3:31:26
